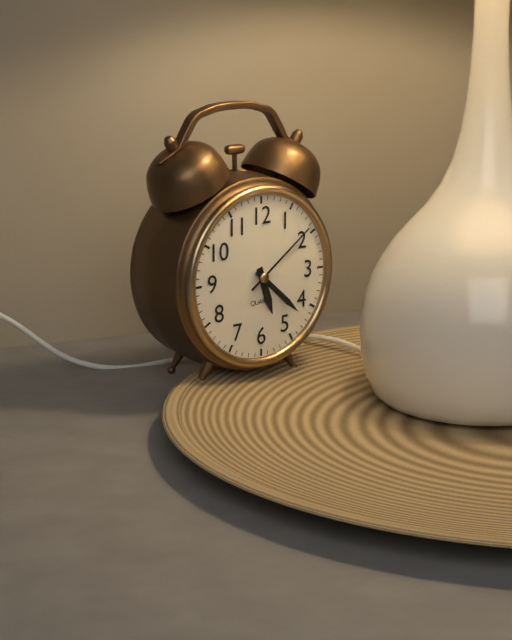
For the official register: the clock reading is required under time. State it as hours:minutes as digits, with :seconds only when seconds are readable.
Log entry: 5:22:09
